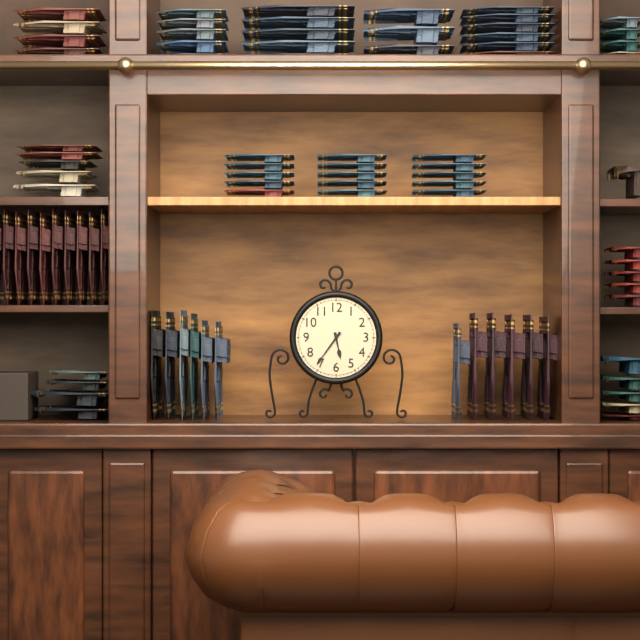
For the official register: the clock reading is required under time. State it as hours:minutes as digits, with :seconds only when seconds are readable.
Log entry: 5:36
